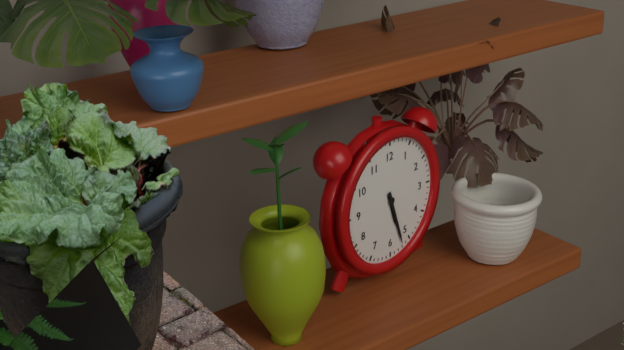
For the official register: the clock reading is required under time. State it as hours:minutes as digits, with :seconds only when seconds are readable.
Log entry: 5:27
